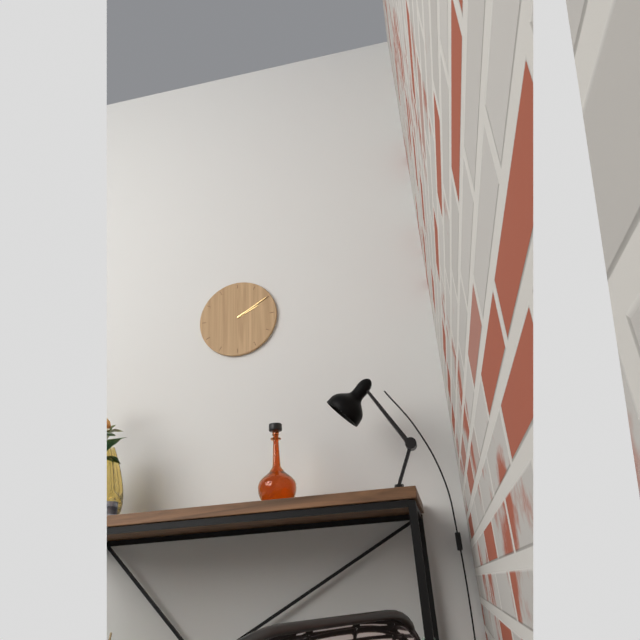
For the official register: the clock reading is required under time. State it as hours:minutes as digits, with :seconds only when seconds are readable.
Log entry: 2:10
